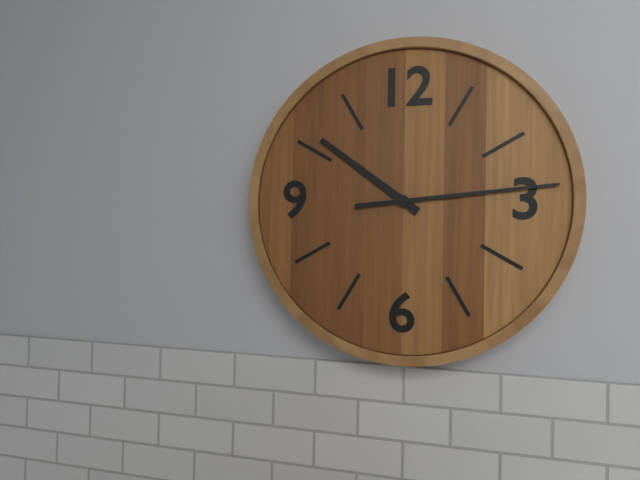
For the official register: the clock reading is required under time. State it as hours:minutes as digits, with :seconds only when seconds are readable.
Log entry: 10:14
